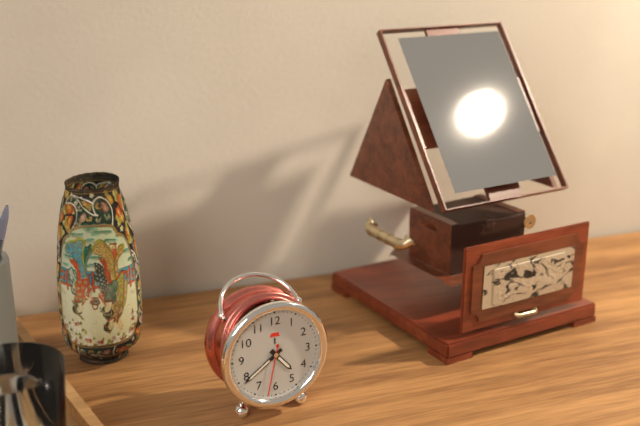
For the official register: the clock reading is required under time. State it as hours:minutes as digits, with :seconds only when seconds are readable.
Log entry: 4:39:32
